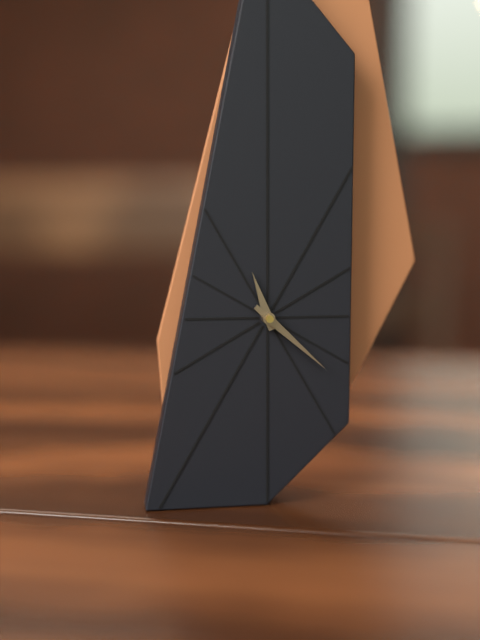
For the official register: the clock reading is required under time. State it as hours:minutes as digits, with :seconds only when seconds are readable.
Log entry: 11:22
